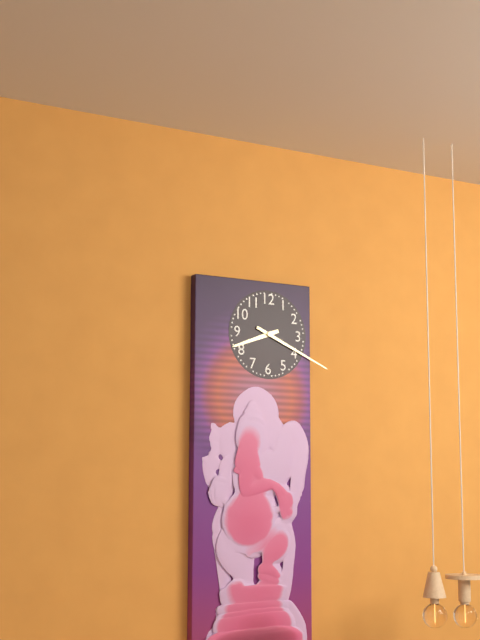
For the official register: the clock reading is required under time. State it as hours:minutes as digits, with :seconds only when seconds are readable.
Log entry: 8:19
